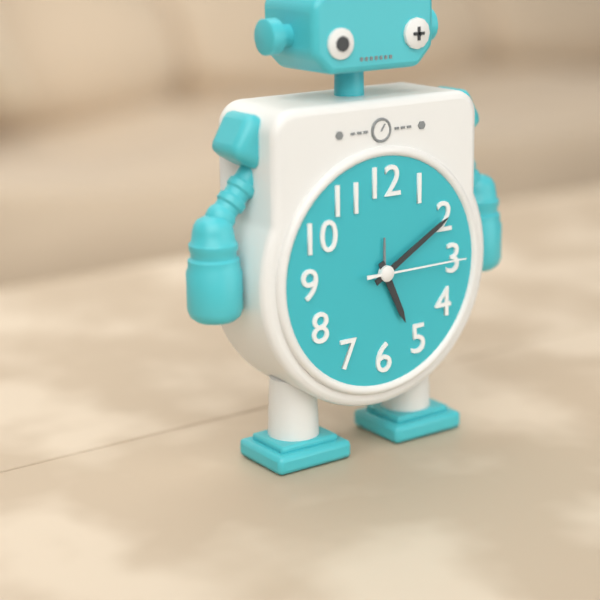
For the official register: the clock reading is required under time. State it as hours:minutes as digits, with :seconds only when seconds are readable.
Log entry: 5:10:15
